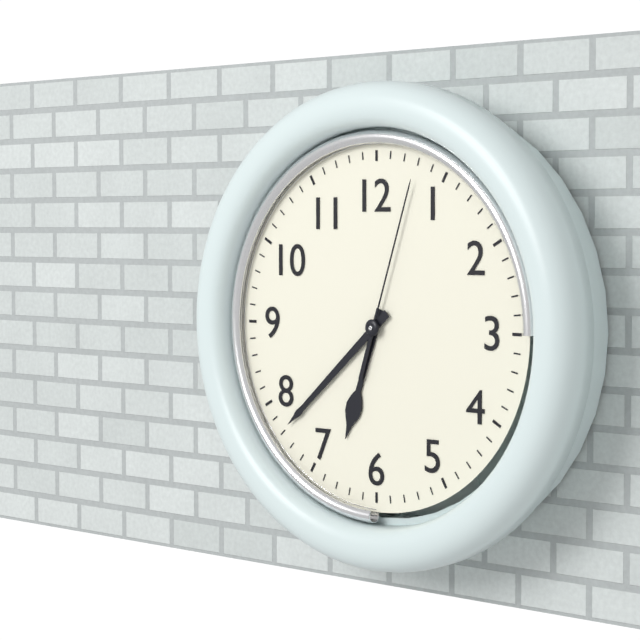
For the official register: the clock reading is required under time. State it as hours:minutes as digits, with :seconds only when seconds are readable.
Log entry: 6:38:03
